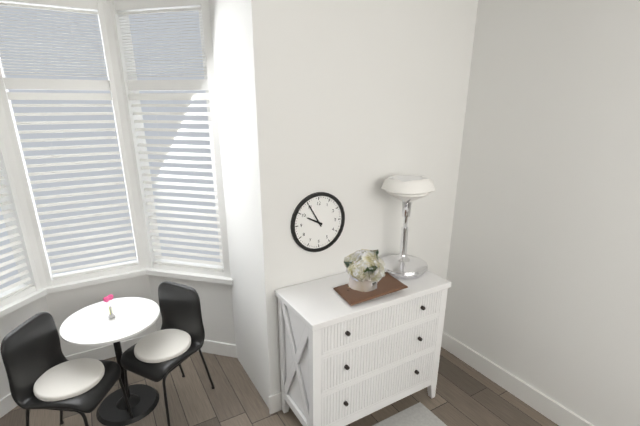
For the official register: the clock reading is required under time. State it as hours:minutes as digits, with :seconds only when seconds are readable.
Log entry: 9:55
